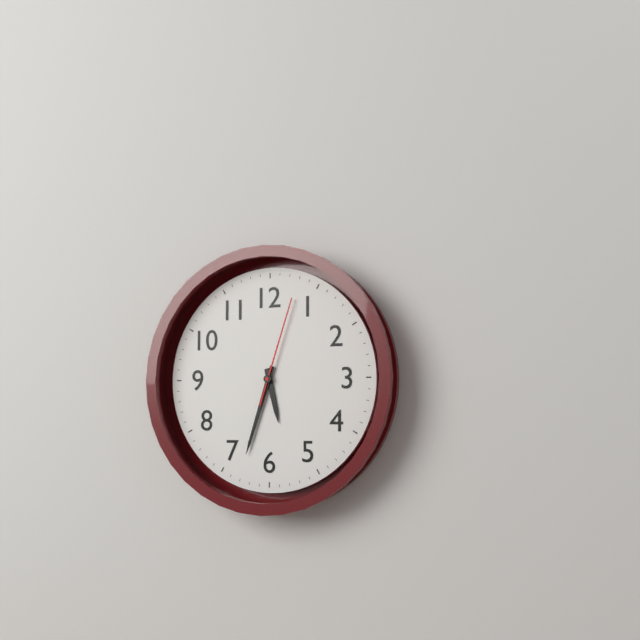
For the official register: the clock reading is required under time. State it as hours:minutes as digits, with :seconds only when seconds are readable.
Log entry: 5:33:03
